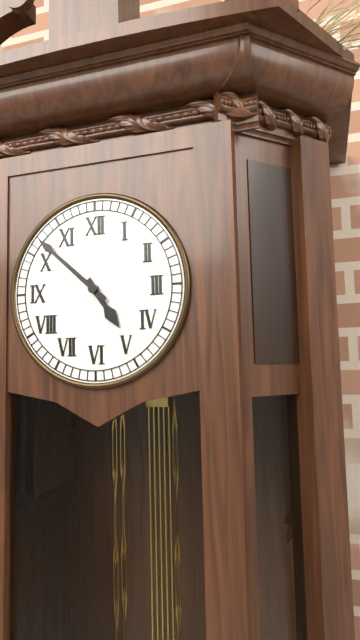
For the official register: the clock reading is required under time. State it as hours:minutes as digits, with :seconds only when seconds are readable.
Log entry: 4:52
